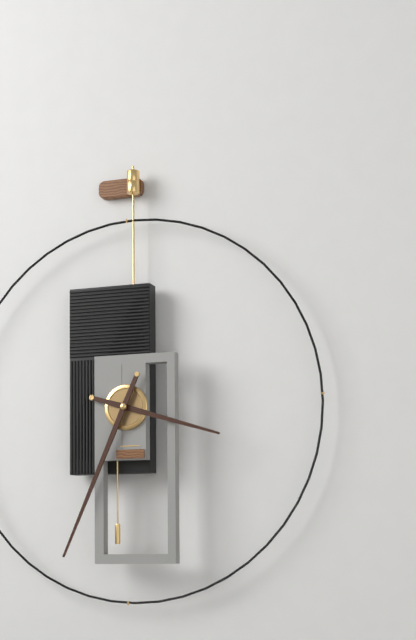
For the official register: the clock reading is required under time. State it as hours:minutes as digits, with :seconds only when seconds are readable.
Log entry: 3:34
